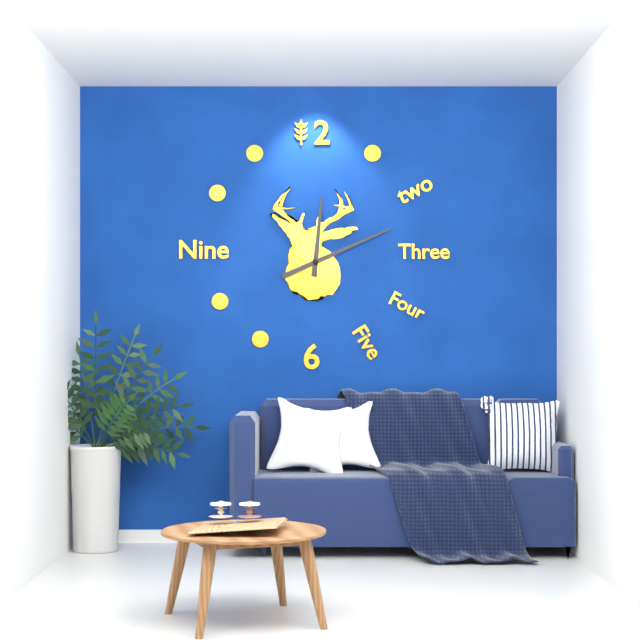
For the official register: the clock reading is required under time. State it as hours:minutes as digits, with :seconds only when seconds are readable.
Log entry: 12:11
